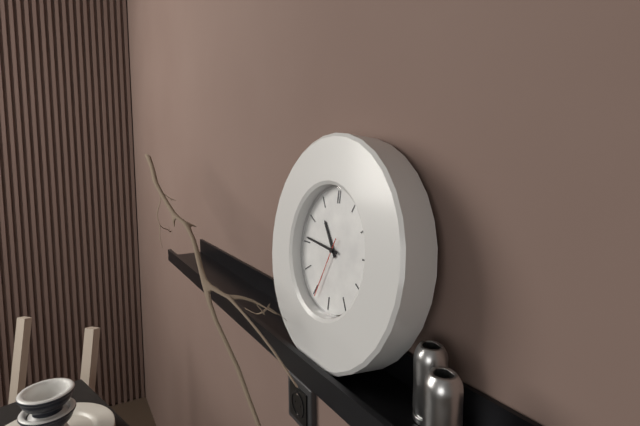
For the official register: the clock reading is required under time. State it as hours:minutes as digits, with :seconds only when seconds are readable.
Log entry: 10:46:34
